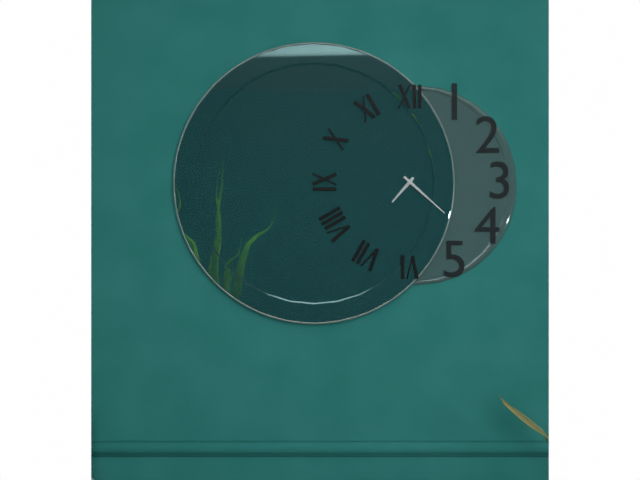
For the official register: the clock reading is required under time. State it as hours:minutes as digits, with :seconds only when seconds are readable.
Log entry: 7:22
